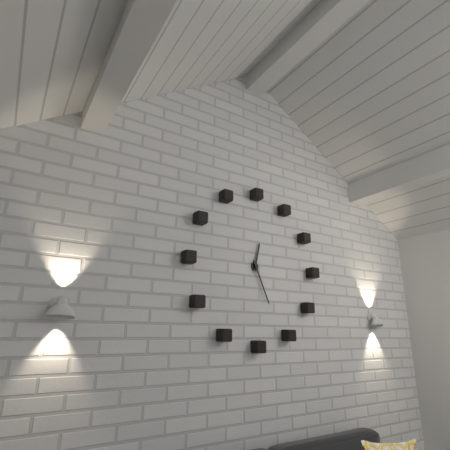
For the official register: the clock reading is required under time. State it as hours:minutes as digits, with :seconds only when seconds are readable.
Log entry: 12:26
